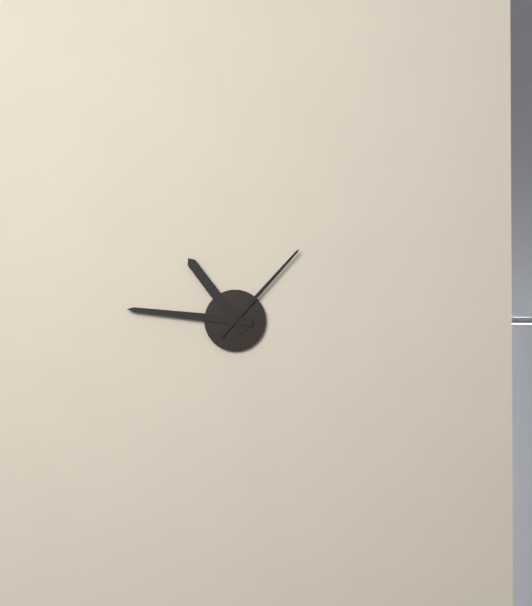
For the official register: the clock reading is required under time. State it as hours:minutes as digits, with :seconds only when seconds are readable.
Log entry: 10:46:07
